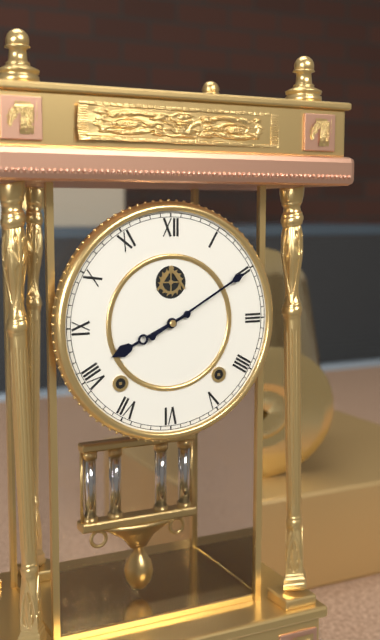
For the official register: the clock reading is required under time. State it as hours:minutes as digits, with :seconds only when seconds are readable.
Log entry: 8:10
